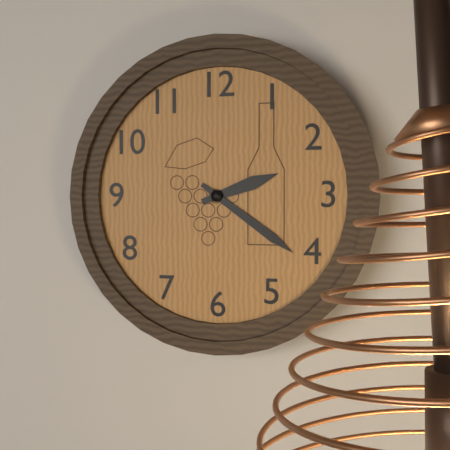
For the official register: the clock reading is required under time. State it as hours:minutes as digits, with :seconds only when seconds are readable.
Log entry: 2:21
